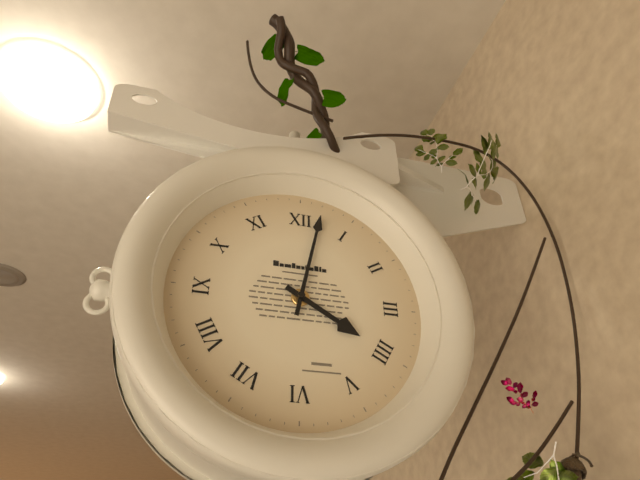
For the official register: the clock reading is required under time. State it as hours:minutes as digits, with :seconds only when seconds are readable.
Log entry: 4:02
